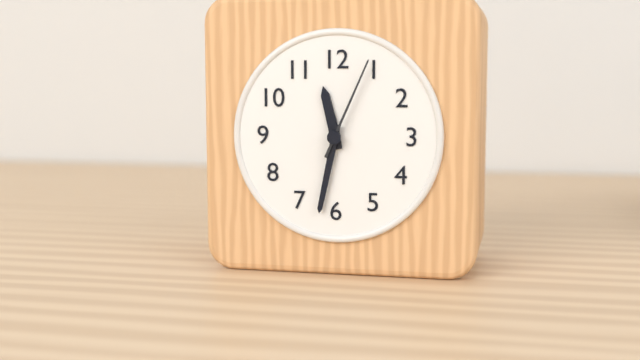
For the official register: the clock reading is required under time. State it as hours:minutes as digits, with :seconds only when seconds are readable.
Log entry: 11:32:04
